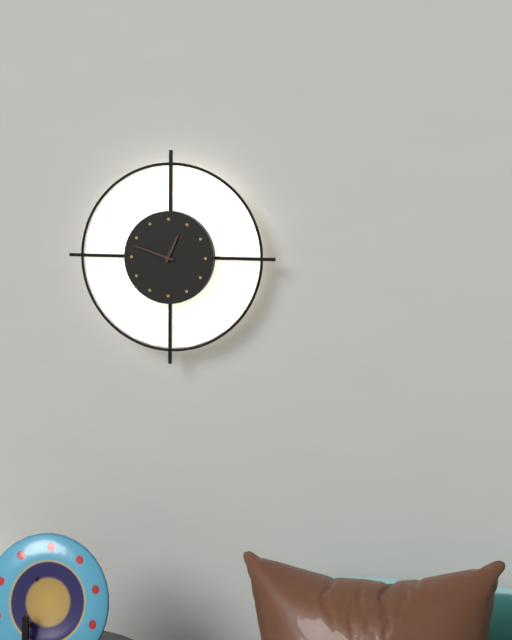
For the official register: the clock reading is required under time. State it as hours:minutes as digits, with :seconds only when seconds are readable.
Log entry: 12:48
